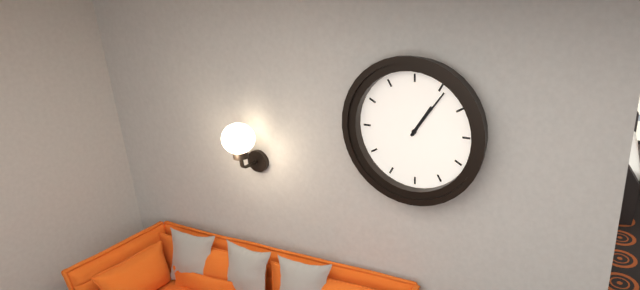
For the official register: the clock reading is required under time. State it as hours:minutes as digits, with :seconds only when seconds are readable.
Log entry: 1:06
